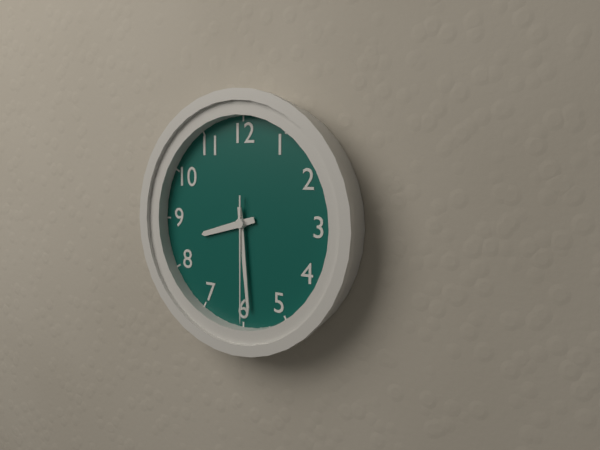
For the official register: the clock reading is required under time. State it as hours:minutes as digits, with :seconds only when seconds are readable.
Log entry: 8:29:30
